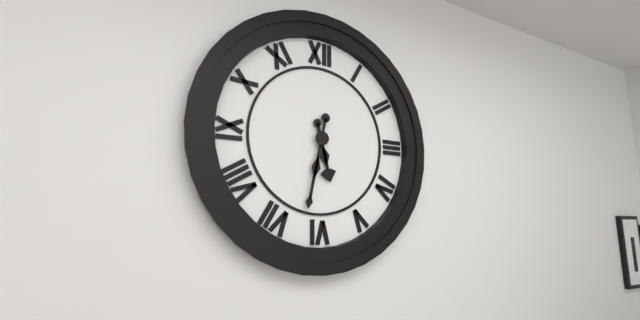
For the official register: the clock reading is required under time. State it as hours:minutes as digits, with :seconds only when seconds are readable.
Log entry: 5:32
